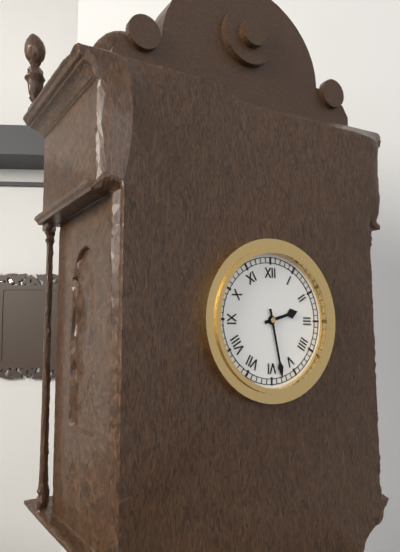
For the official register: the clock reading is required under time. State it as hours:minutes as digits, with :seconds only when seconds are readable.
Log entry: 2:28
